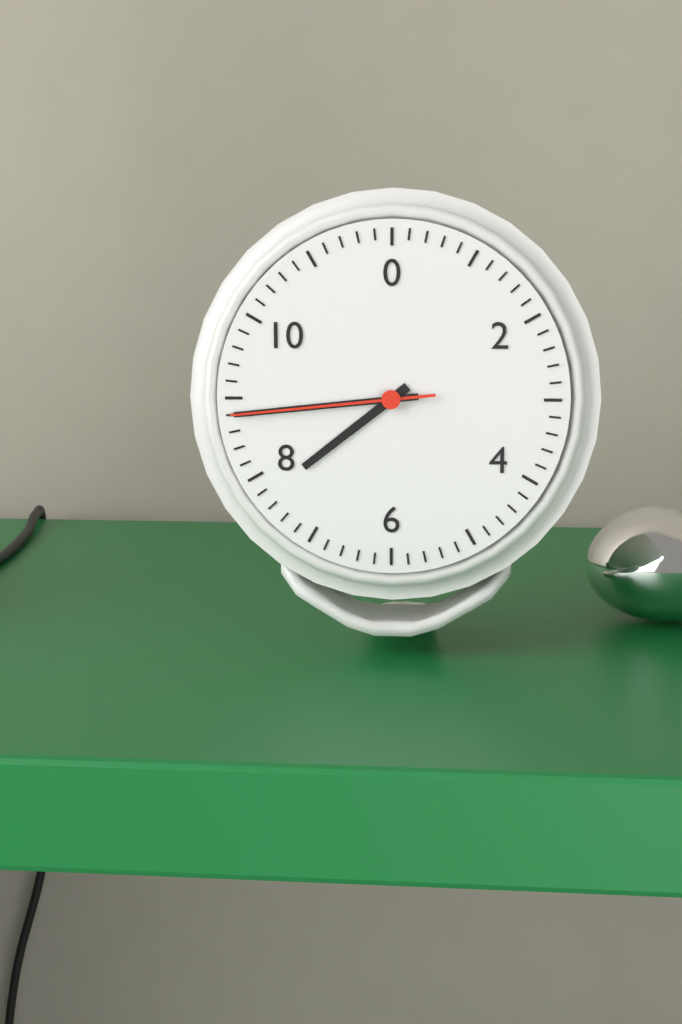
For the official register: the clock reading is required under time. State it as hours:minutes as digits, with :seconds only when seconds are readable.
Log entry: 7:44:44
